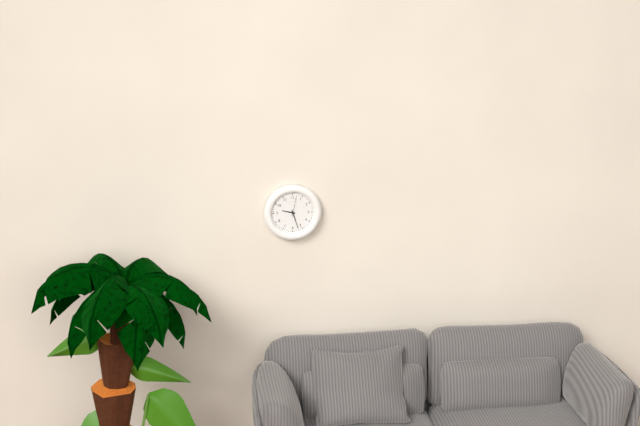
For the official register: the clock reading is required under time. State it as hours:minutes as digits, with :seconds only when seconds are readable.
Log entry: 9:27
